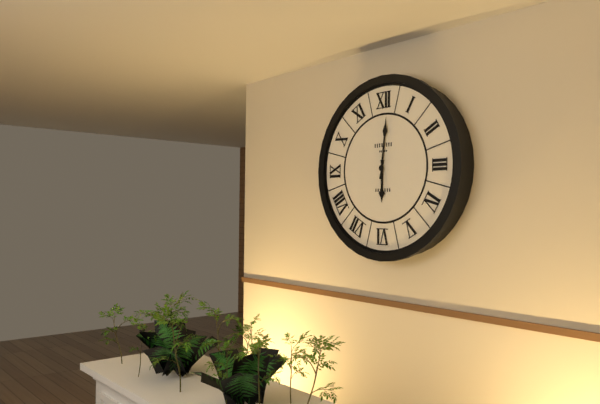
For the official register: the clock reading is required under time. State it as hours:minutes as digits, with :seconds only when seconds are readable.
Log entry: 6:01
